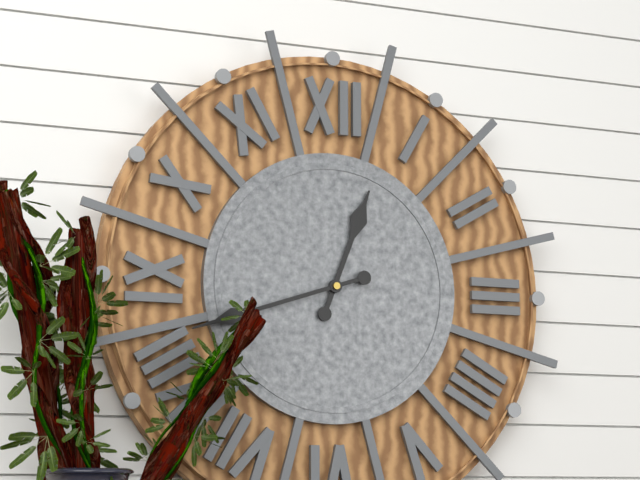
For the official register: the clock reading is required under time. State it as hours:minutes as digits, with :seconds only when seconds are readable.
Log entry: 12:42
